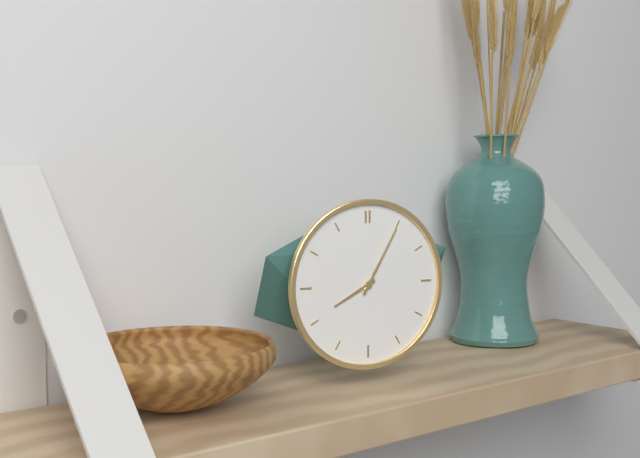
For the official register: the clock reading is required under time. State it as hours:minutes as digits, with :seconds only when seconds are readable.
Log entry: 8:05
